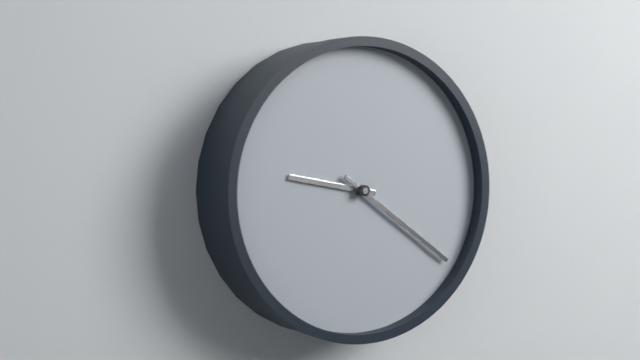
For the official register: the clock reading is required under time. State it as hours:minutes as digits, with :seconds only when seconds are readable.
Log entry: 9:21
